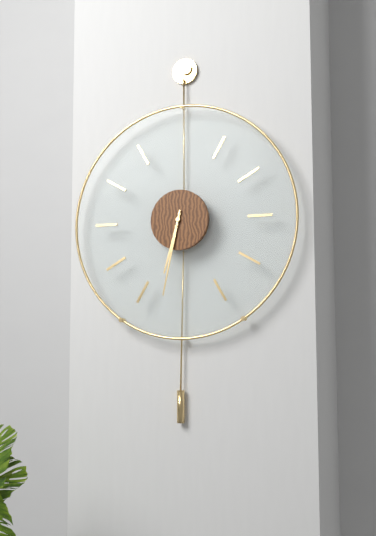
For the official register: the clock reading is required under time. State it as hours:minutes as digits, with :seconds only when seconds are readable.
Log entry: 6:32
